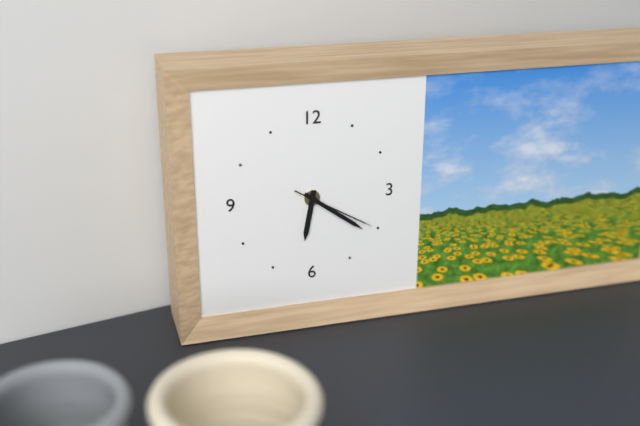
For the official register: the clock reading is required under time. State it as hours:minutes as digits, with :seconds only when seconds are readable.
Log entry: 6:21:20
